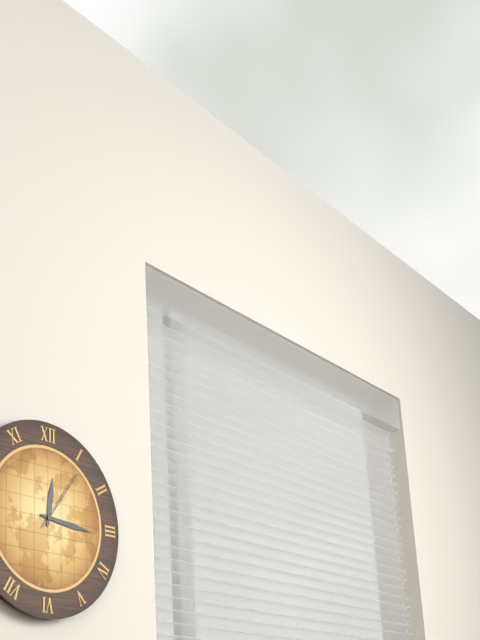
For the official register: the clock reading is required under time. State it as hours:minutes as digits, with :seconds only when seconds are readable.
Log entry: 12:16:06
